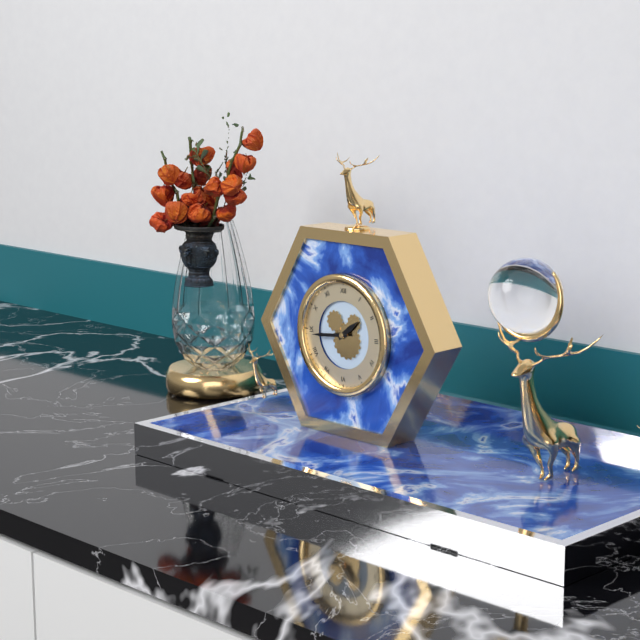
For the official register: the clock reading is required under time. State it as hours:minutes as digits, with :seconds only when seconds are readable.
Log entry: 1:44
